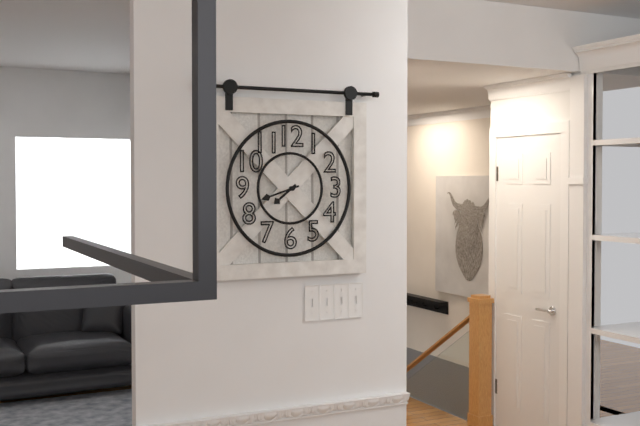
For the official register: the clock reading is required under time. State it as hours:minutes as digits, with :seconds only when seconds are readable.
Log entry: 7:42
